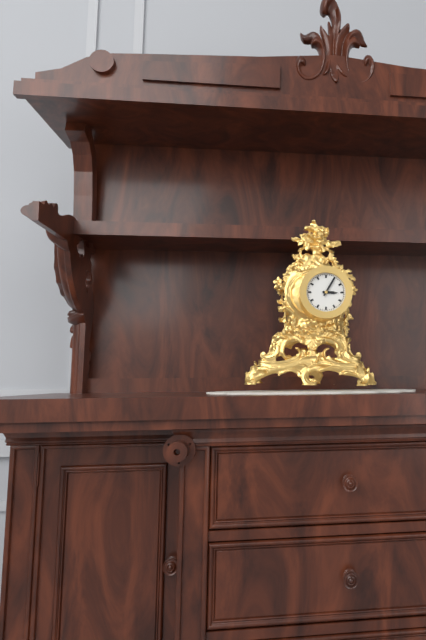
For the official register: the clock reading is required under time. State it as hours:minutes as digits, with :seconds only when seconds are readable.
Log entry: 3:05
